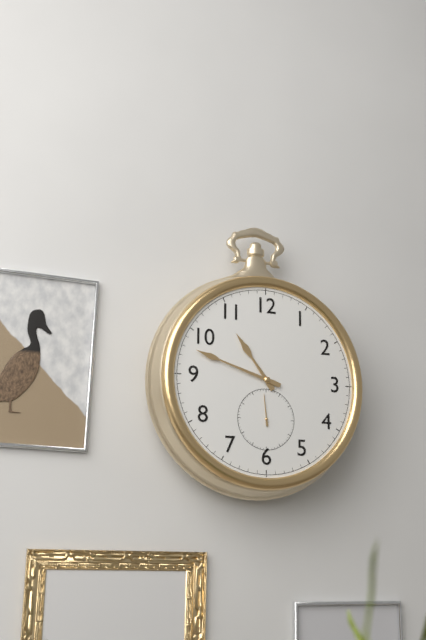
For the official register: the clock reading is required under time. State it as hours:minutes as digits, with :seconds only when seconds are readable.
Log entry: 10:48
